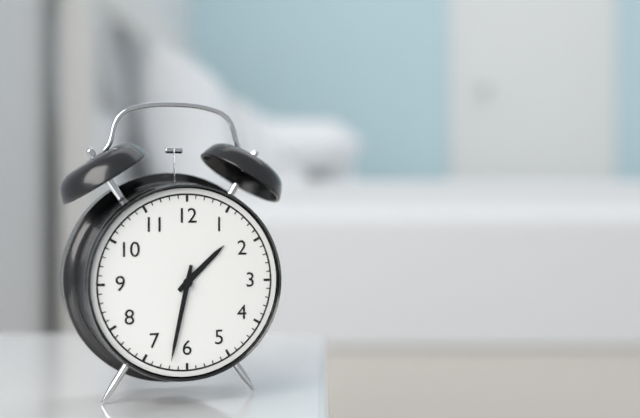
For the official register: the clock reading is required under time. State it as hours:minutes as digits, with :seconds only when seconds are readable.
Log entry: 1:32
